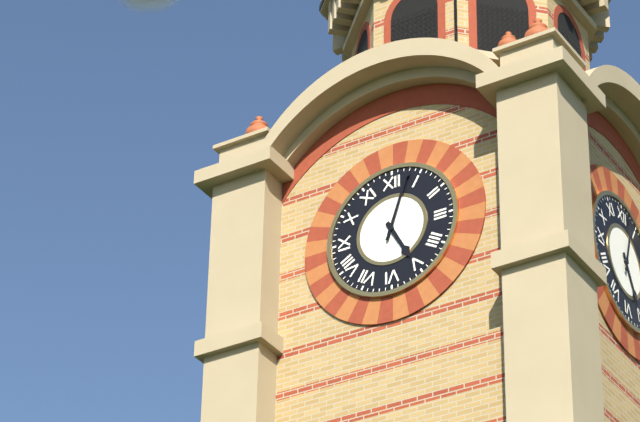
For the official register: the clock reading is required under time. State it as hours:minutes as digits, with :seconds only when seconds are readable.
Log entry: 5:03
